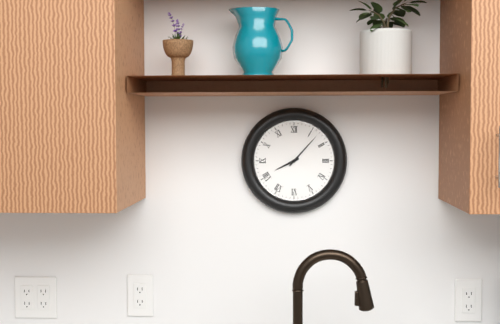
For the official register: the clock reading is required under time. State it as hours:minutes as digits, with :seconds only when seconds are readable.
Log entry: 8:07
